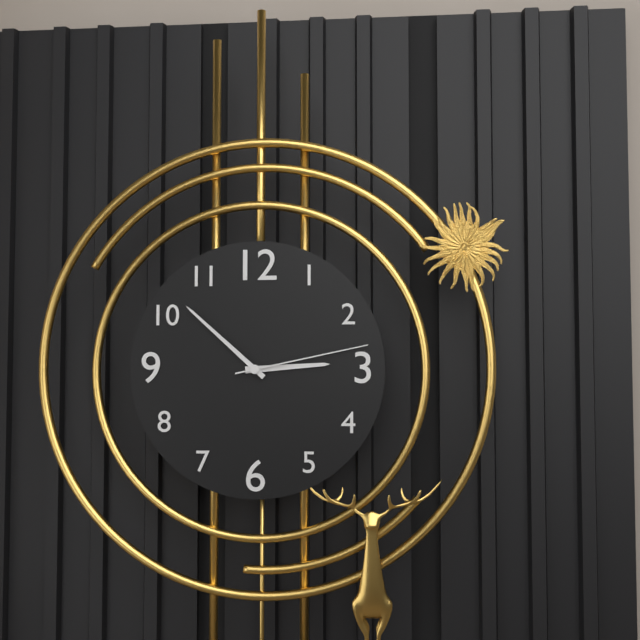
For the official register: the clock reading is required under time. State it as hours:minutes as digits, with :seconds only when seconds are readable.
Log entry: 2:52:13
